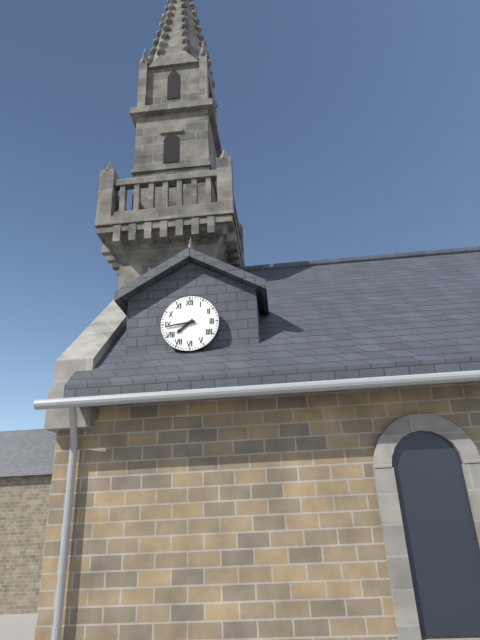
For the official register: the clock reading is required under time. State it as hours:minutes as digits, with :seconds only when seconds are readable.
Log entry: 7:44
